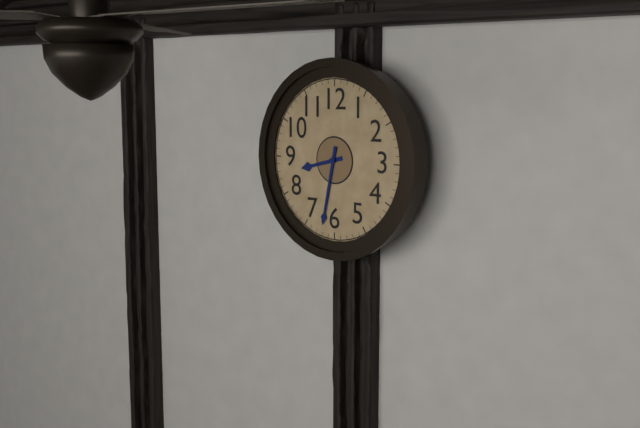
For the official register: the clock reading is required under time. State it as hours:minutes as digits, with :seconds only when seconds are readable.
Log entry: 8:32
